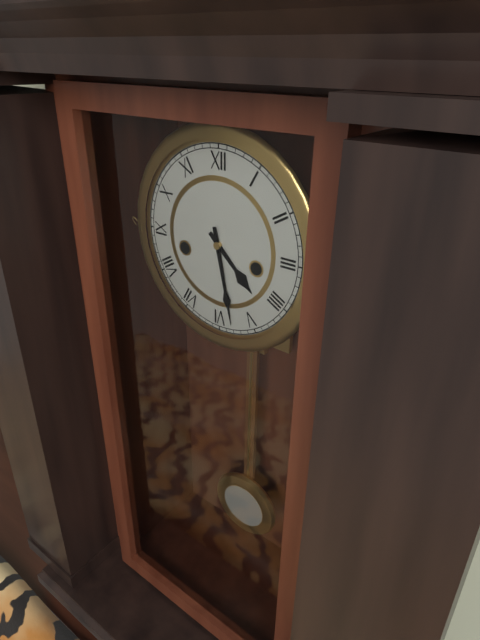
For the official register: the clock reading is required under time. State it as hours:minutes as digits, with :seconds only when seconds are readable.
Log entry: 4:28
